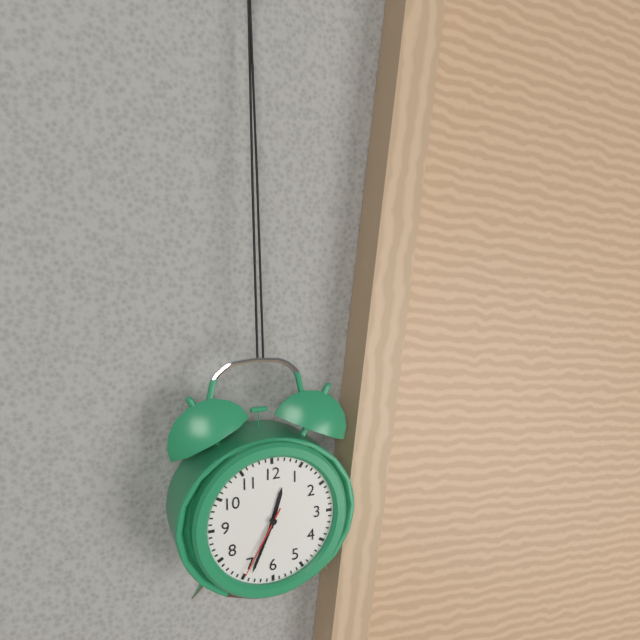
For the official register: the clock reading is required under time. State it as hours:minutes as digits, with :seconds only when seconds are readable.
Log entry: 12:34:35
